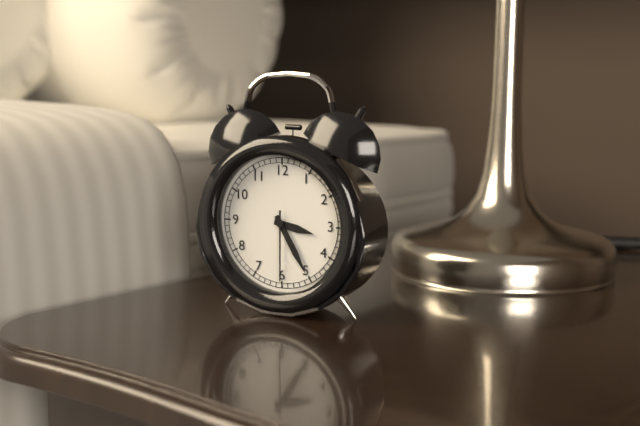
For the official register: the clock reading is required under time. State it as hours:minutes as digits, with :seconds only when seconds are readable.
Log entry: 3:25:30
